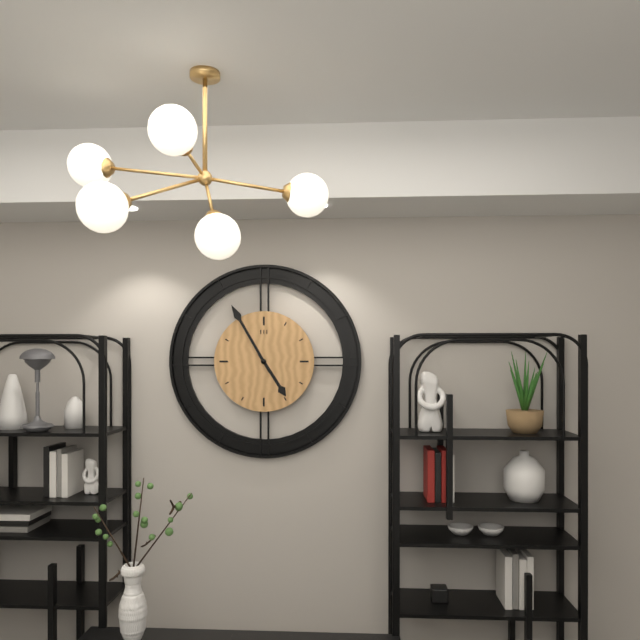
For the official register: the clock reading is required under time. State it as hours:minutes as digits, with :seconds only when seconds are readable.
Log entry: 4:55
